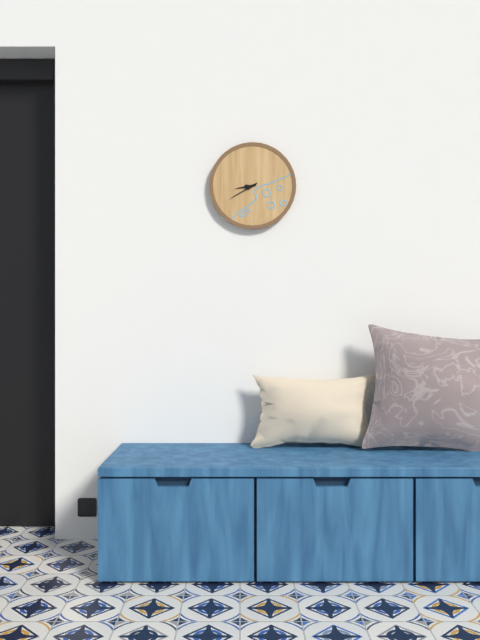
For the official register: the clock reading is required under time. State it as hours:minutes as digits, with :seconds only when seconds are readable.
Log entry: 8:40
